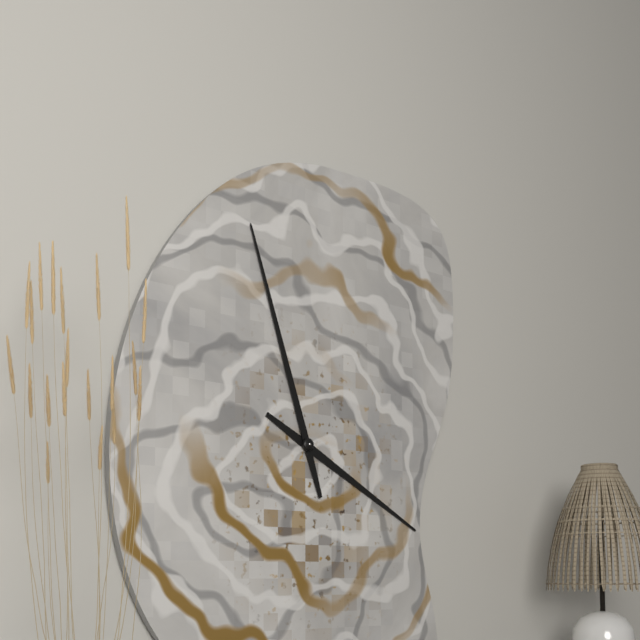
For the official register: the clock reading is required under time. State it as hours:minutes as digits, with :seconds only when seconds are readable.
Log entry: 3:57
